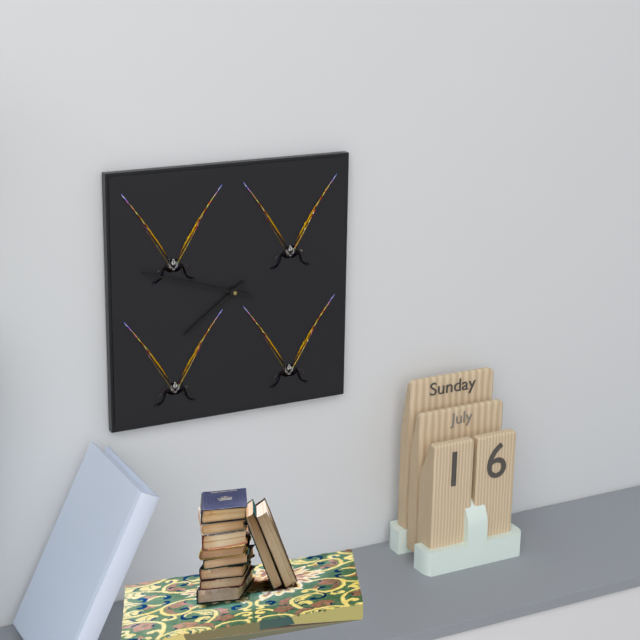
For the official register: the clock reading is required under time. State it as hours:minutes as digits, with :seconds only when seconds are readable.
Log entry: 7:48
